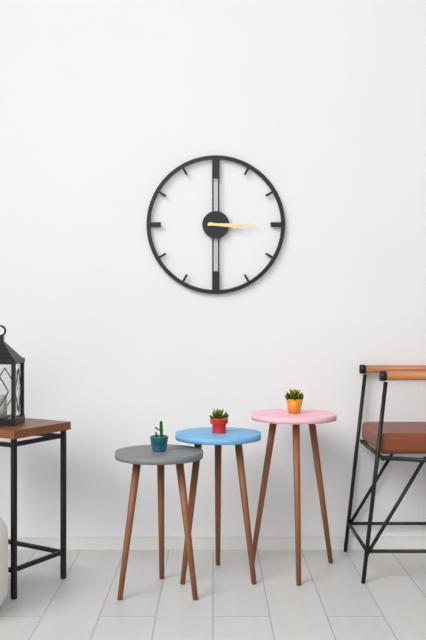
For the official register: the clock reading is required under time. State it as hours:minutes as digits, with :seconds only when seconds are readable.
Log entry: 3:15
